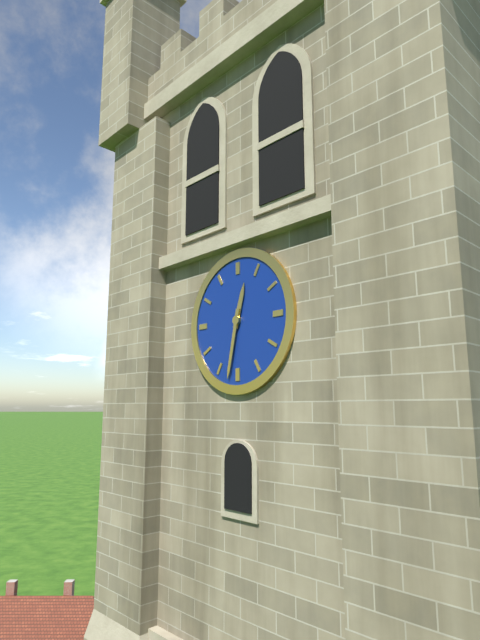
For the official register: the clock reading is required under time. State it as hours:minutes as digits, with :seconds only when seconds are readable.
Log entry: 12:32
